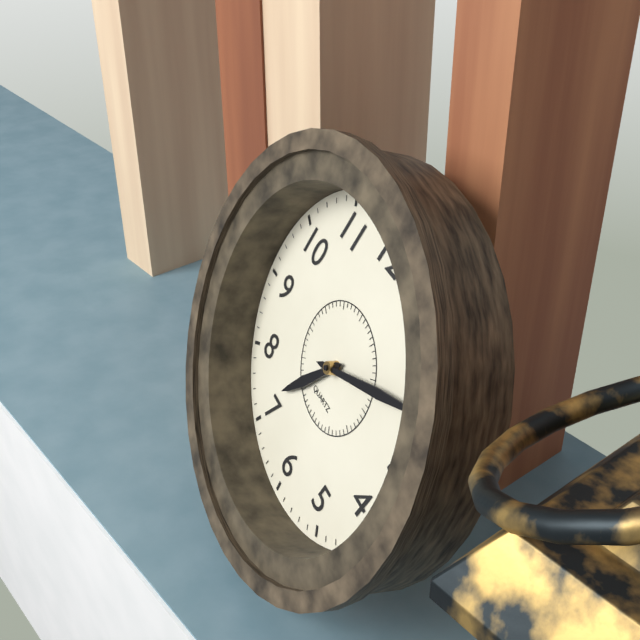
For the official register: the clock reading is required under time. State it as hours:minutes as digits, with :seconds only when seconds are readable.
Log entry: 7:11
